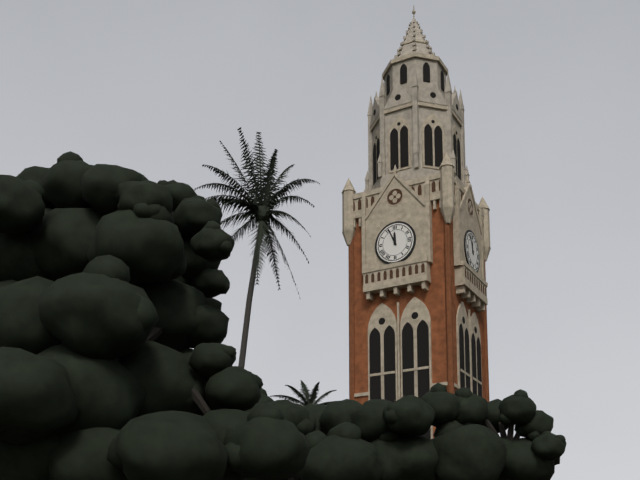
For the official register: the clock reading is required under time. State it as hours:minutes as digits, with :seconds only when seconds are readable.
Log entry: 11:56
